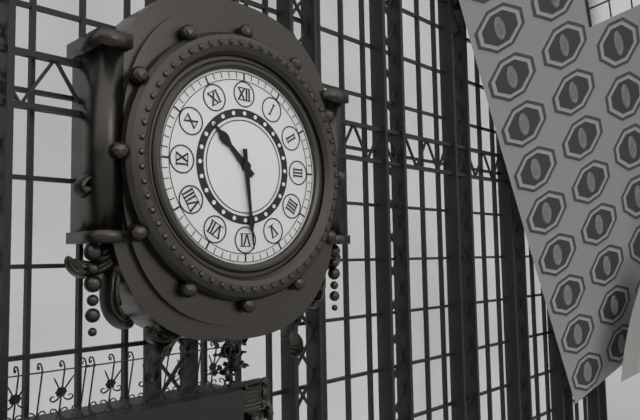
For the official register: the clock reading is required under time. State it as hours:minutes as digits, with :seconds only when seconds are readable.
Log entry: 10:29
